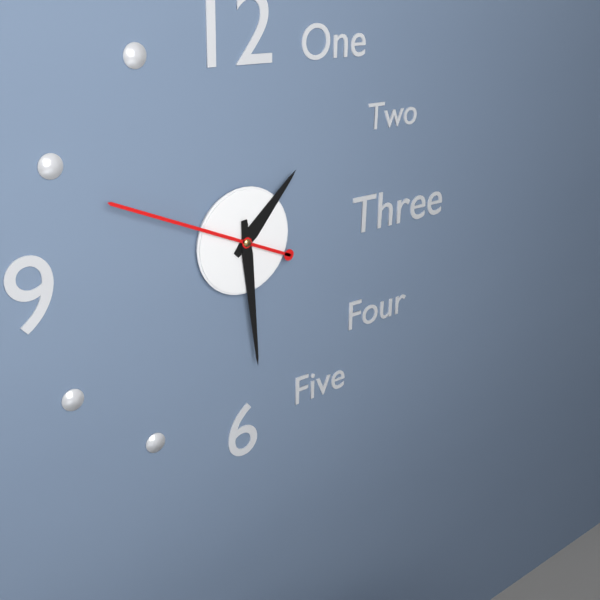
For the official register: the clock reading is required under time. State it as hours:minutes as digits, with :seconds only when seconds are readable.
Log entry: 1:29:49
